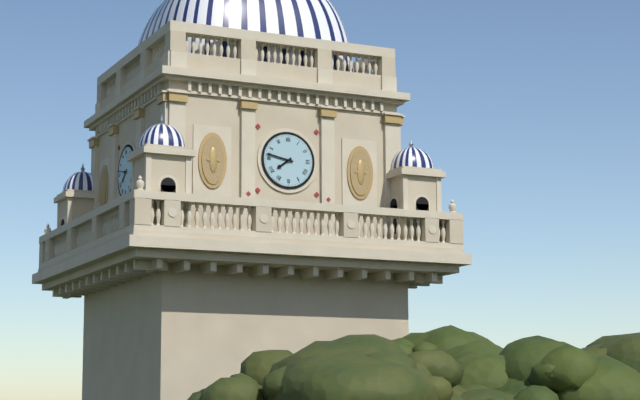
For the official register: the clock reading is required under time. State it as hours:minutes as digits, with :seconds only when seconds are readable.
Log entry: 7:47
